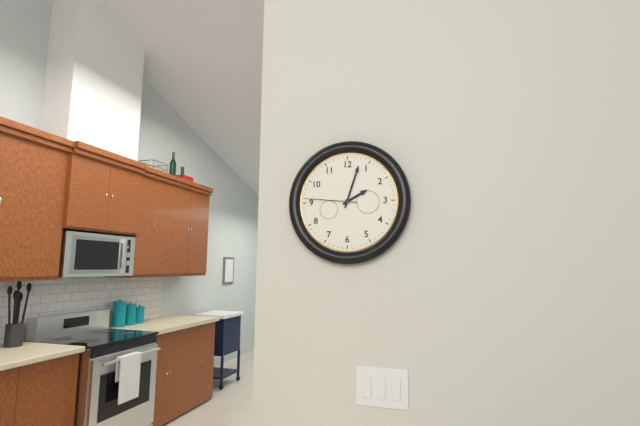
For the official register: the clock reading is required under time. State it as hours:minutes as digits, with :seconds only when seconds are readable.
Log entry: 2:03:46
